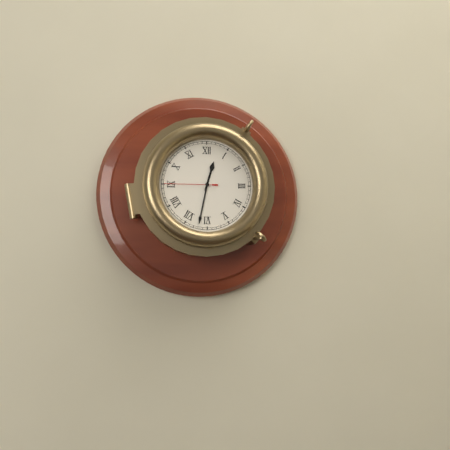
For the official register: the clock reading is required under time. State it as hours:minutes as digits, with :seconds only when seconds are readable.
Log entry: 12:32:45
